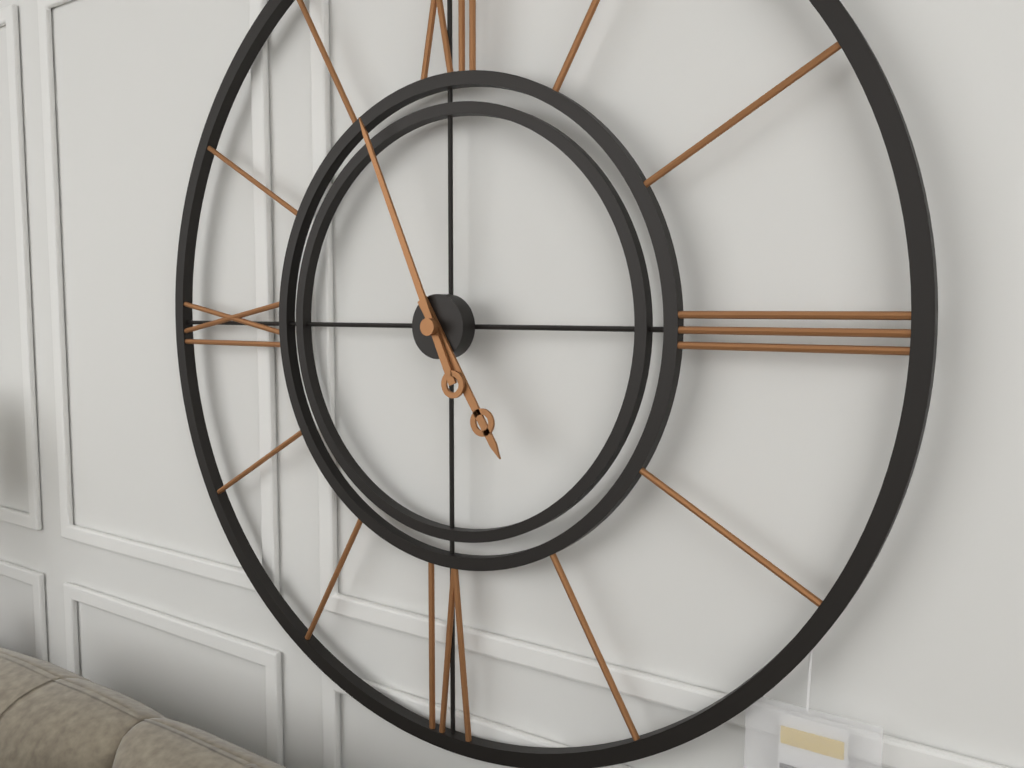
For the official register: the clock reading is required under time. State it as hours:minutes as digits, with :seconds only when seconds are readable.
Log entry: 4:56
